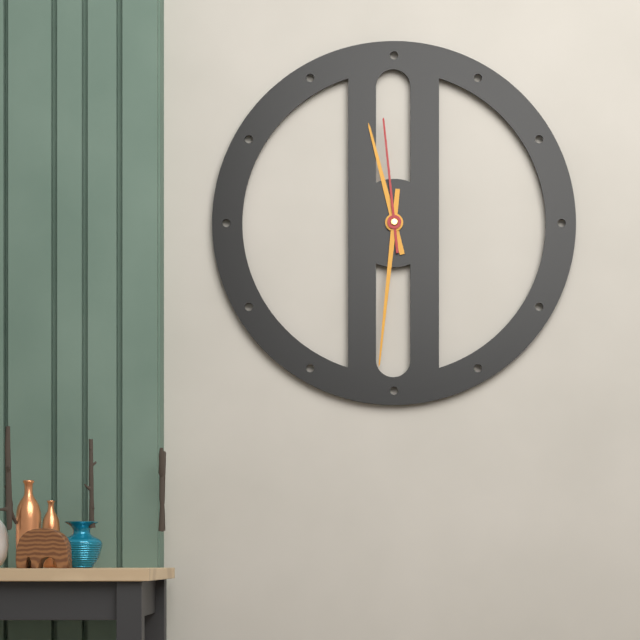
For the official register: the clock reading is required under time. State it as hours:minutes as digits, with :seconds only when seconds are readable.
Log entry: 11:31:59
